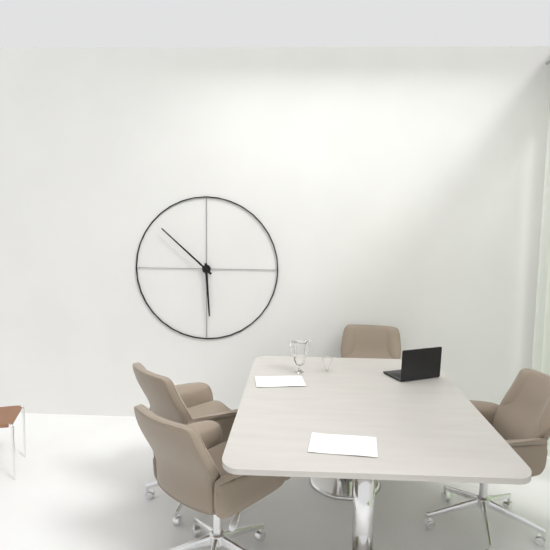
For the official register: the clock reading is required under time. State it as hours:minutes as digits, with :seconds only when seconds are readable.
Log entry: 5:52
